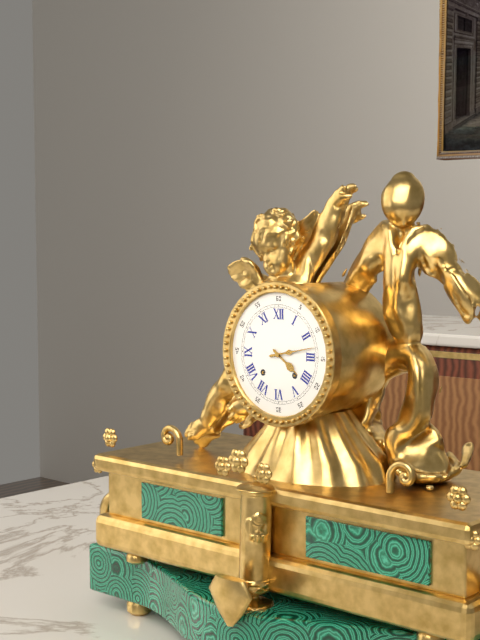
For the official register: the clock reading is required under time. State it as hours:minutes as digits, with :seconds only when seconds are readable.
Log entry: 4:13
